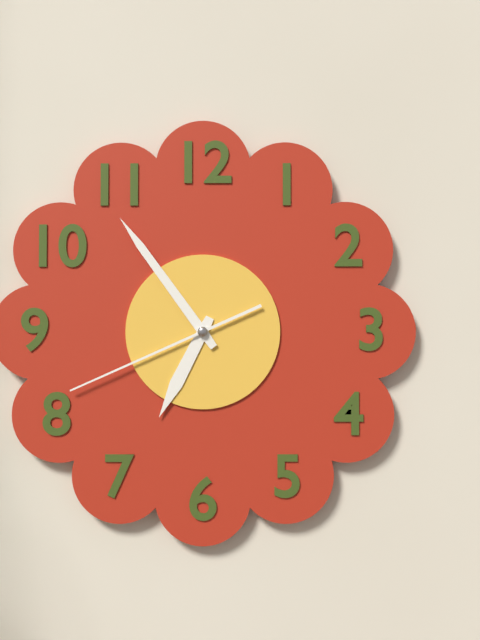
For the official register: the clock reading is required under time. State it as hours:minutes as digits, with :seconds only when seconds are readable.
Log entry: 6:54:41
